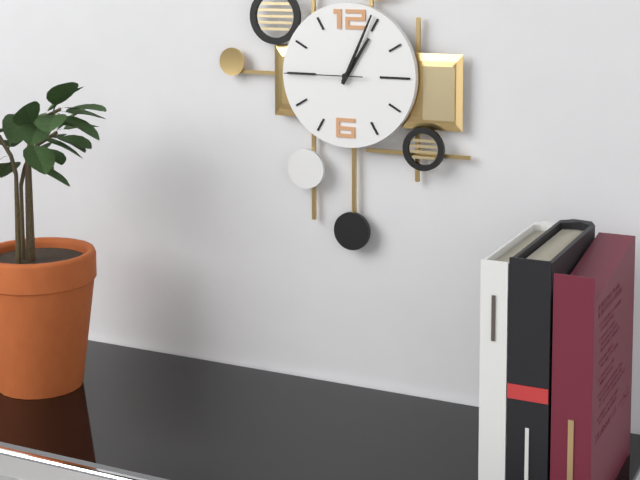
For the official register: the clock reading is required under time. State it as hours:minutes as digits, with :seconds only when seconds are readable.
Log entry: 1:04:45
